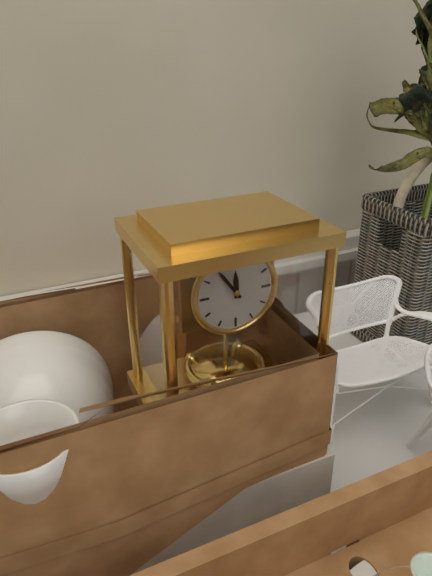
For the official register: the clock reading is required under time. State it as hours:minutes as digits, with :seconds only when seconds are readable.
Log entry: 11:54
